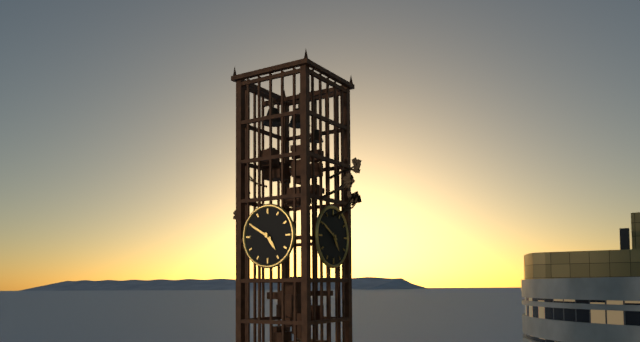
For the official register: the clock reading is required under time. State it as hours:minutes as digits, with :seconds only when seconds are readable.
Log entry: 4:50
